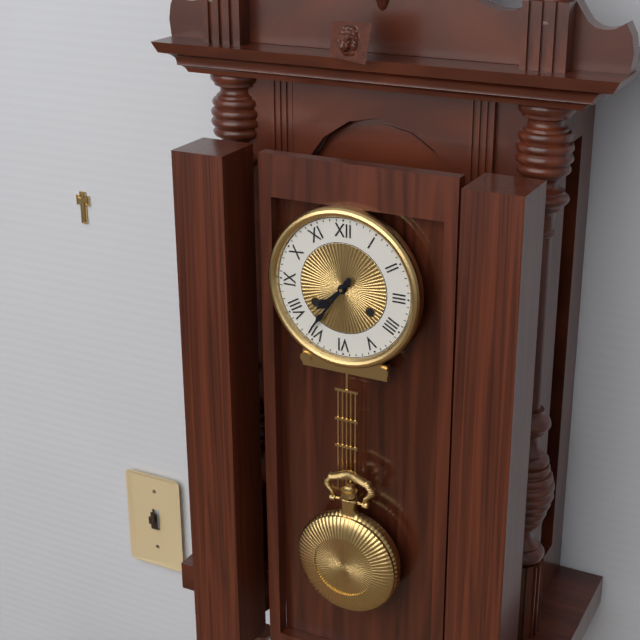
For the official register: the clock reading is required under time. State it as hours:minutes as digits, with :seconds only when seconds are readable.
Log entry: 7:36
